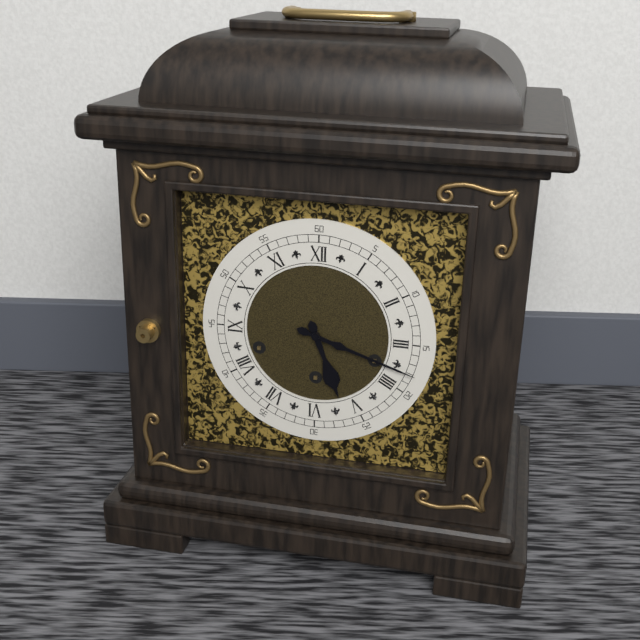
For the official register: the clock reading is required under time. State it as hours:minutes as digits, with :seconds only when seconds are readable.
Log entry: 5:18
